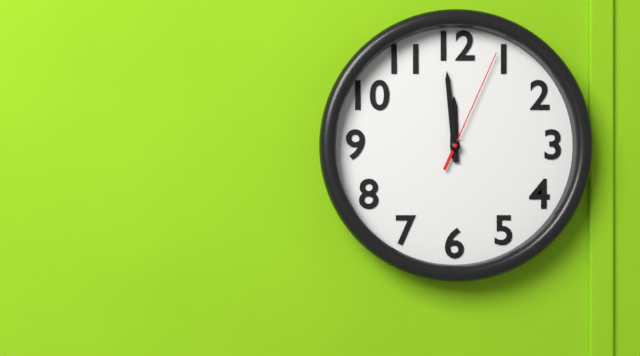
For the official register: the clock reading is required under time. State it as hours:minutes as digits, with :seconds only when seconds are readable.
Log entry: 11:59:04
